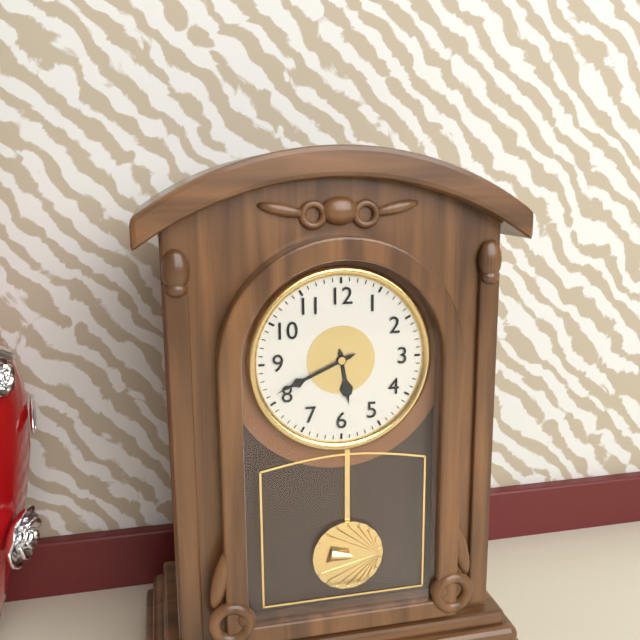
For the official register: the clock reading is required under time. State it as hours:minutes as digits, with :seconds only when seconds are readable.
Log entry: 5:41
